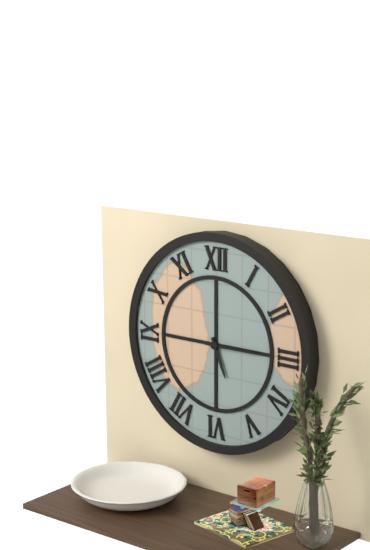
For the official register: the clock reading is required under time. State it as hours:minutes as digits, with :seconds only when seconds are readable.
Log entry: 5:15
